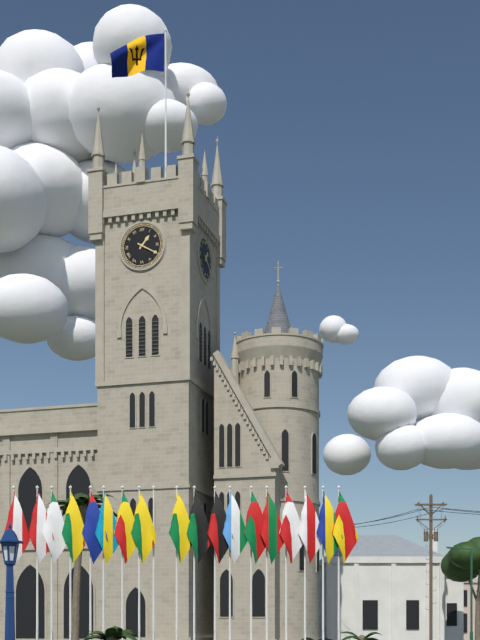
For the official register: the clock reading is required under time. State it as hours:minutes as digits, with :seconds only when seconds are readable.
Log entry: 1:20
